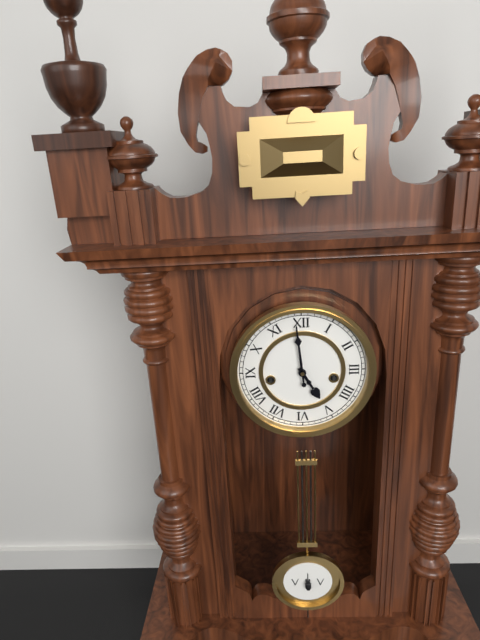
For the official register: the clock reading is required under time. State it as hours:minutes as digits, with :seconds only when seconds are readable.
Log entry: 4:59
